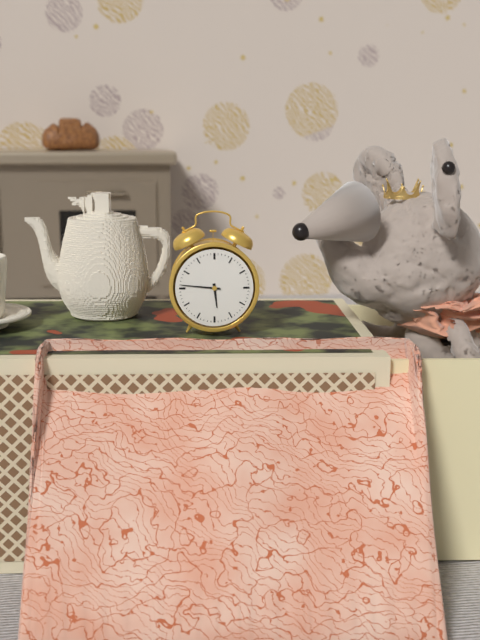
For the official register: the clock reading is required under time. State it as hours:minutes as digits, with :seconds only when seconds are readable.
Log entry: 5:46
